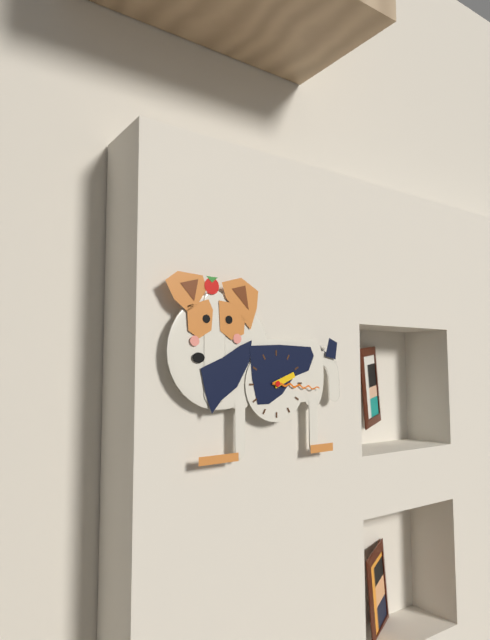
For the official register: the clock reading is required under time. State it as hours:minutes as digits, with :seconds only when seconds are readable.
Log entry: 2:16
